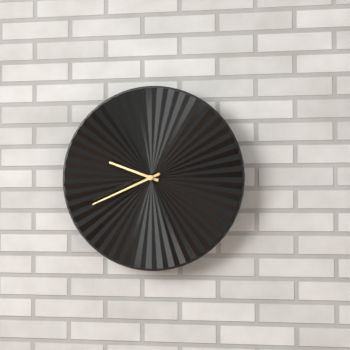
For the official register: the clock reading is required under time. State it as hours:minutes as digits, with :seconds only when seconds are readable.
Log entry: 9:41
